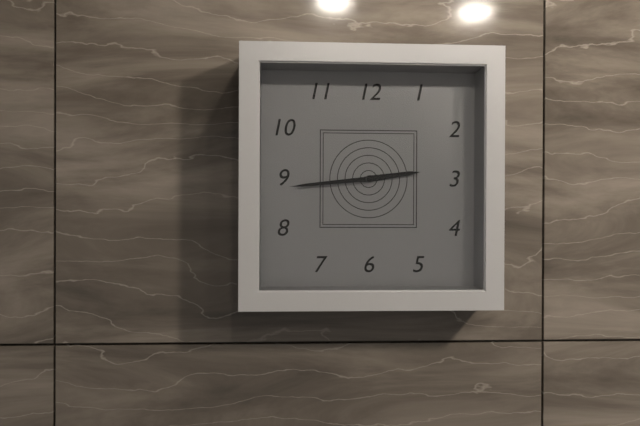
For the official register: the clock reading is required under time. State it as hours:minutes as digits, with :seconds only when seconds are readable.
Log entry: 2:44
